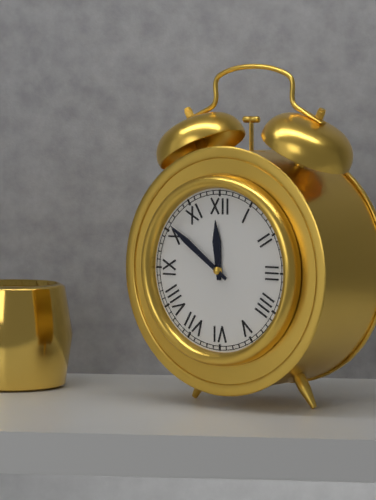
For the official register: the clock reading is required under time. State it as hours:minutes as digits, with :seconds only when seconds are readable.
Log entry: 11:51
